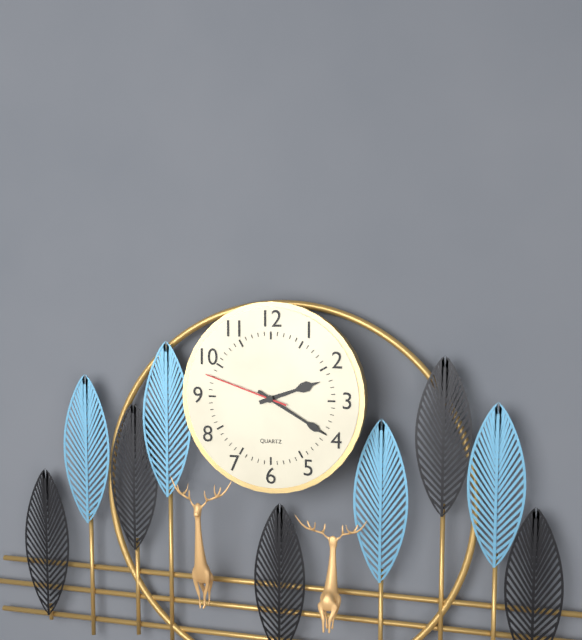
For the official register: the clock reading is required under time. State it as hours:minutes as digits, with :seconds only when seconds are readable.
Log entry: 2:20:48
